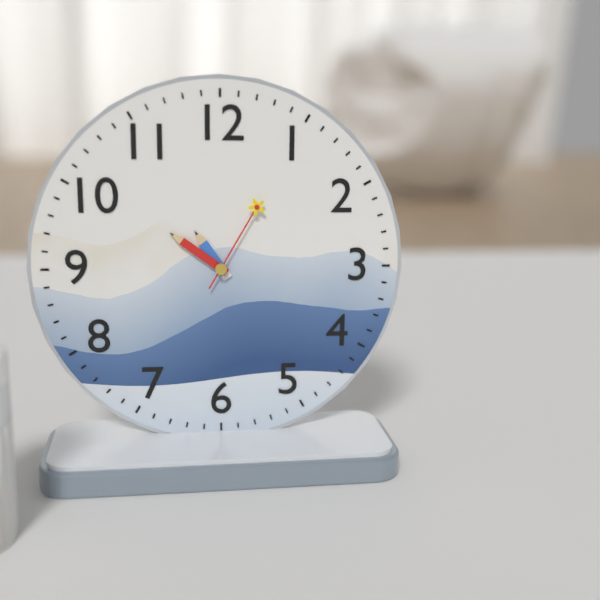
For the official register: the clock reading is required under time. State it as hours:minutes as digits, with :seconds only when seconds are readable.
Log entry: 10:51:05
